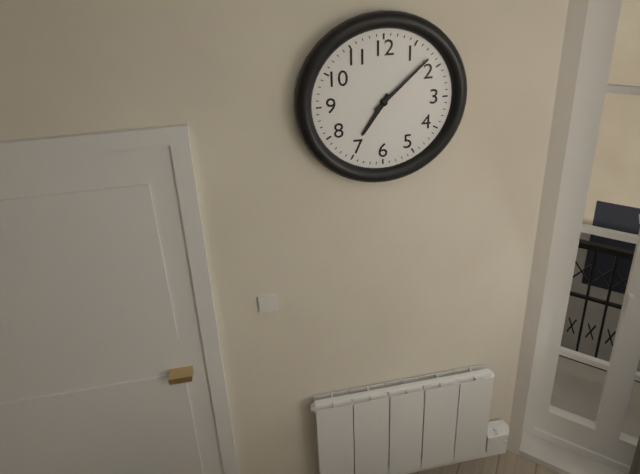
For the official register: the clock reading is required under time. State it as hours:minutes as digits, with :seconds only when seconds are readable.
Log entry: 7:08
